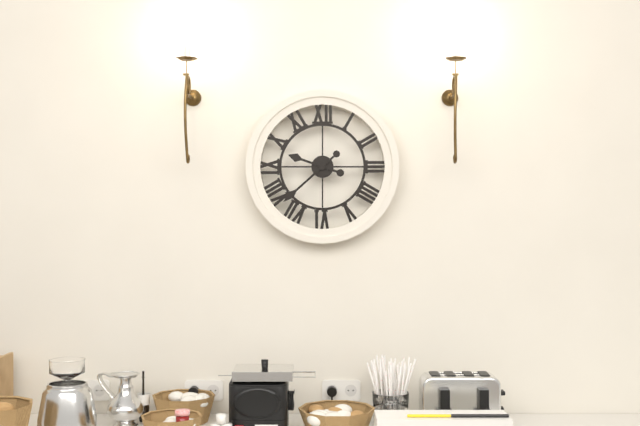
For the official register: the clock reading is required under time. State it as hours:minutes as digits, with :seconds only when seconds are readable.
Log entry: 9:38
